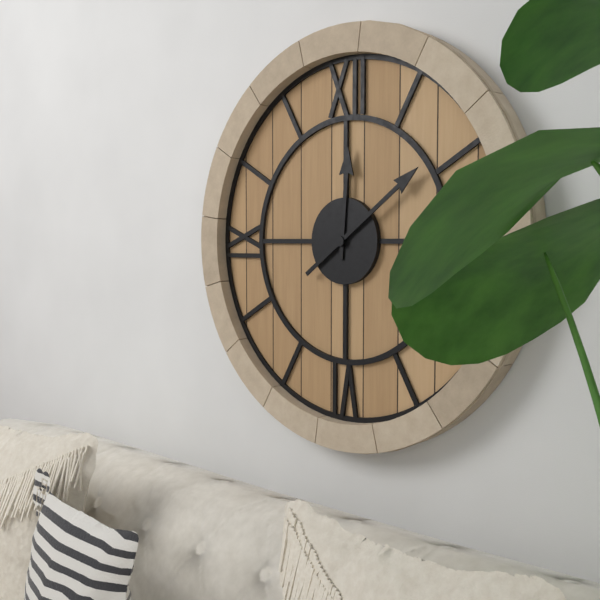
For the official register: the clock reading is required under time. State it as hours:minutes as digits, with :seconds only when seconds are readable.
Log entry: 12:09
